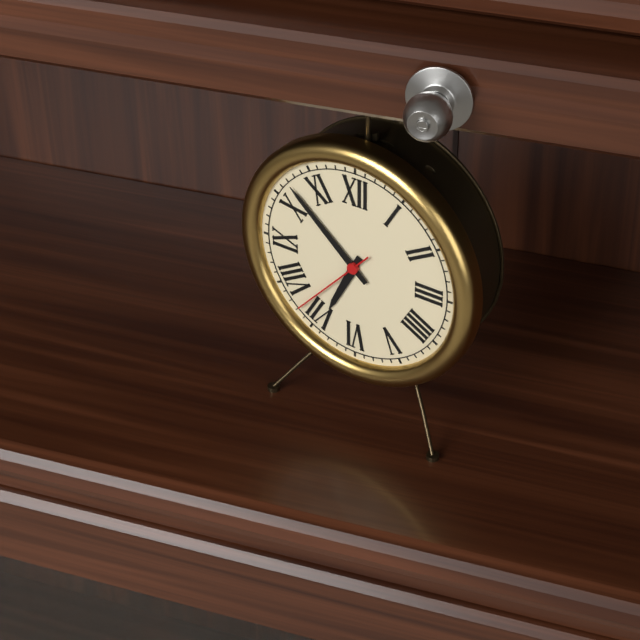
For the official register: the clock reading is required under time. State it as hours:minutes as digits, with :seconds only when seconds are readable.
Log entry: 6:52:37
